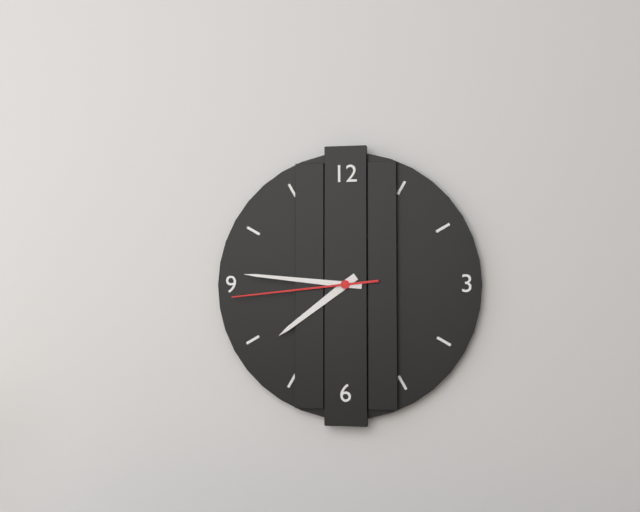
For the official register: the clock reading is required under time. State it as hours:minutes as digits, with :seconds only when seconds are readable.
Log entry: 7:46:44
